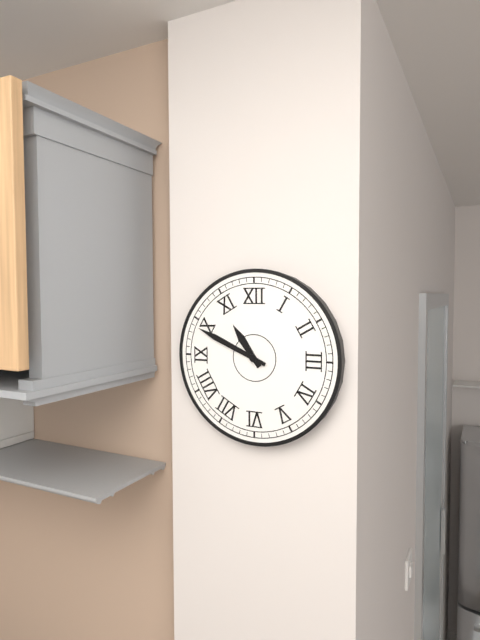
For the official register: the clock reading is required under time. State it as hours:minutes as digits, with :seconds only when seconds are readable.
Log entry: 10:49
